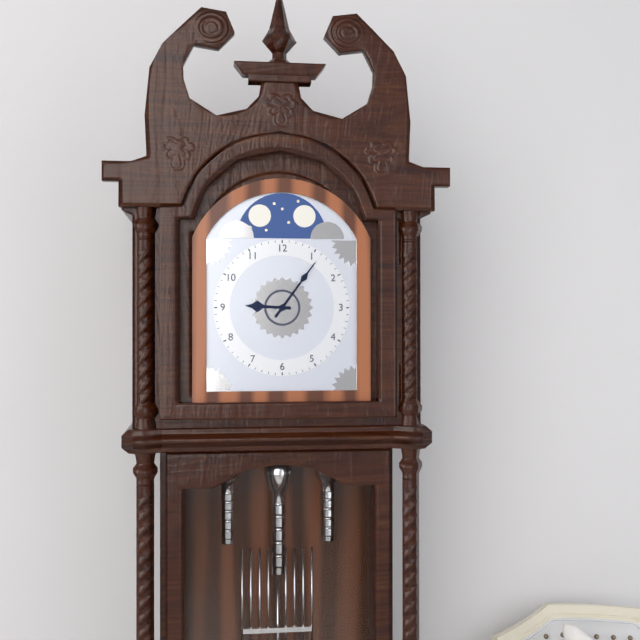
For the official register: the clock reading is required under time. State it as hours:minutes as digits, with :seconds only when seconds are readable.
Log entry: 9:06
